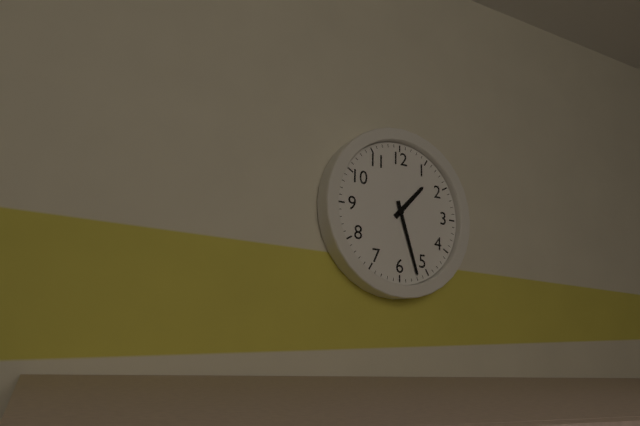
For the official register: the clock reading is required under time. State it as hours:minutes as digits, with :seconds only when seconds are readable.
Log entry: 1:27
